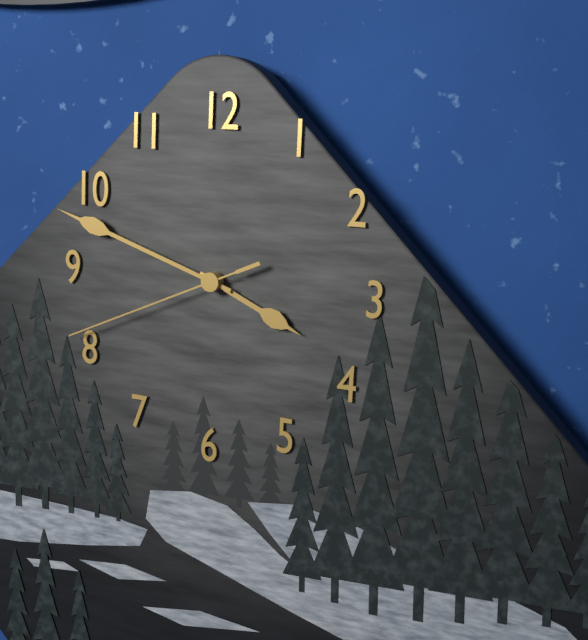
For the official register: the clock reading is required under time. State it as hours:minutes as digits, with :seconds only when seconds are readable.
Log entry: 3:48:41
